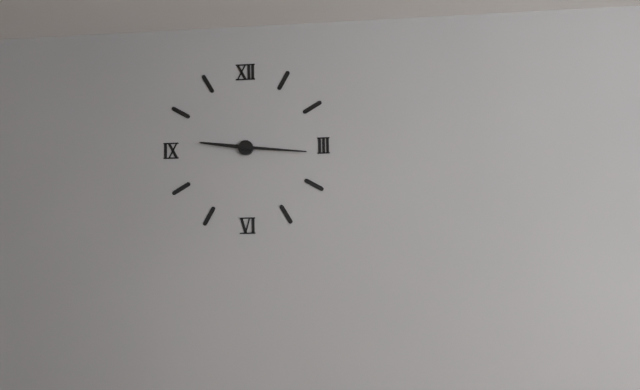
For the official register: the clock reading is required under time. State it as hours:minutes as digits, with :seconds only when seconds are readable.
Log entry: 9:16
